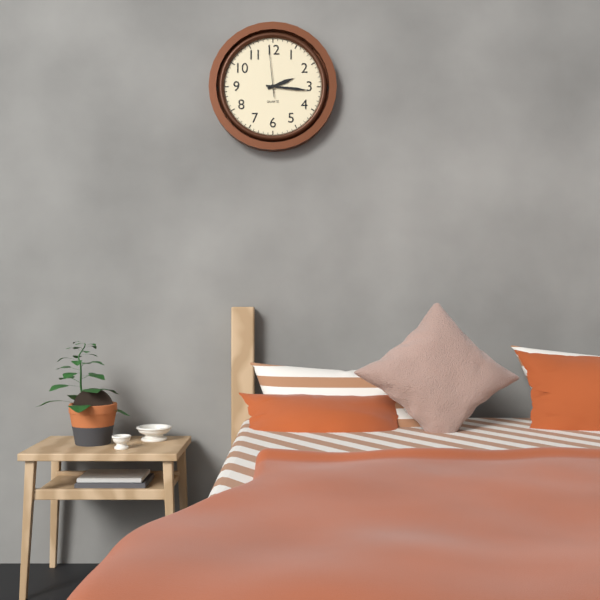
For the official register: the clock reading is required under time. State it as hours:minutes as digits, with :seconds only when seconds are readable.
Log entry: 2:16:59
